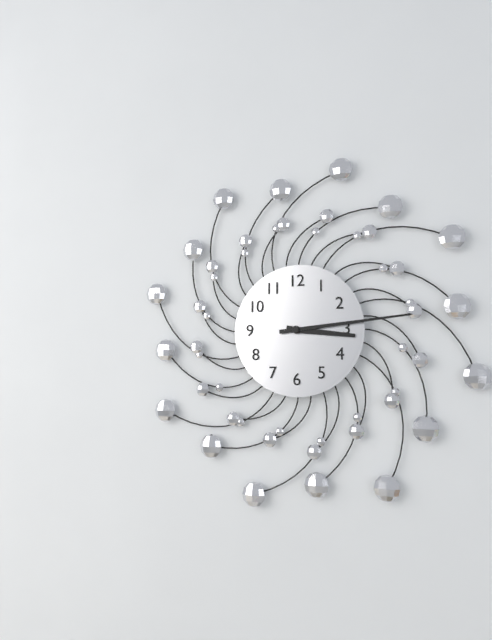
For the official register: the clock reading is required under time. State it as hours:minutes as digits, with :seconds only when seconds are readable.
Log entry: 3:14
